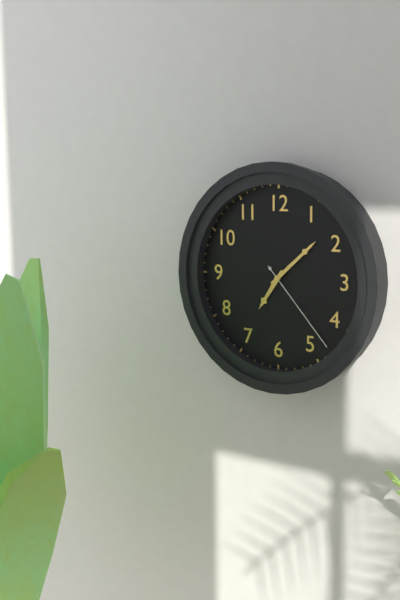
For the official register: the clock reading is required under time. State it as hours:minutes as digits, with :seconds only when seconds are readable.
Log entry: 7:08:23
